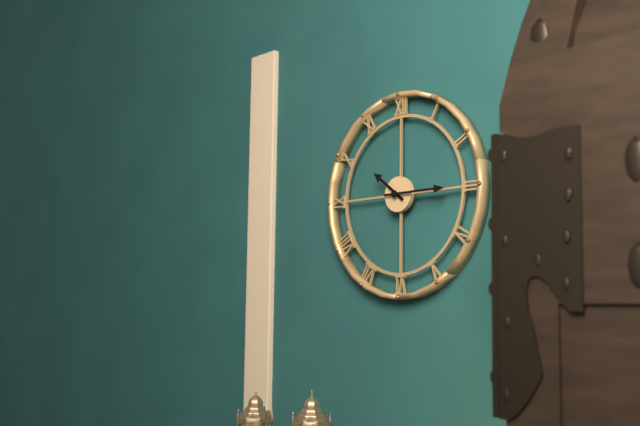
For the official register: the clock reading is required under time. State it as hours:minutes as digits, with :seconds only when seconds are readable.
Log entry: 10:15
